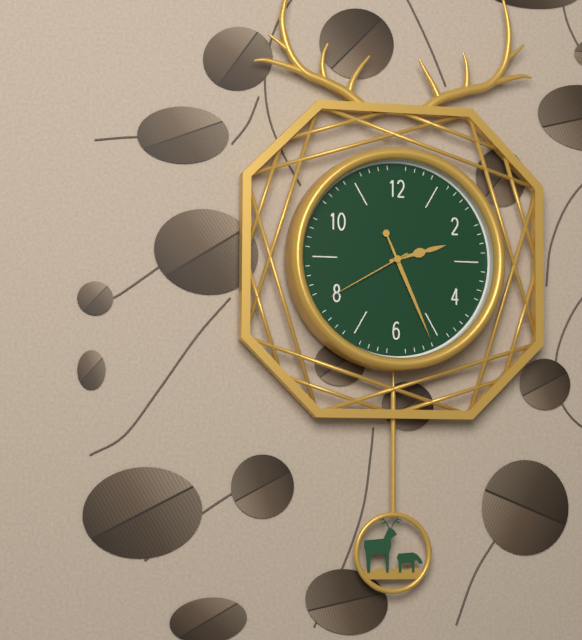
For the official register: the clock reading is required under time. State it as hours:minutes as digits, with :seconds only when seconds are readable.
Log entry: 2:26:40
